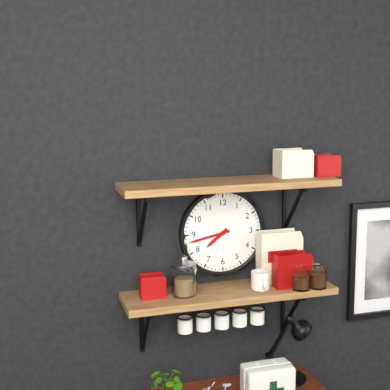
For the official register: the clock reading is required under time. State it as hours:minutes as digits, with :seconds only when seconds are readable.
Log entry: 7:43
